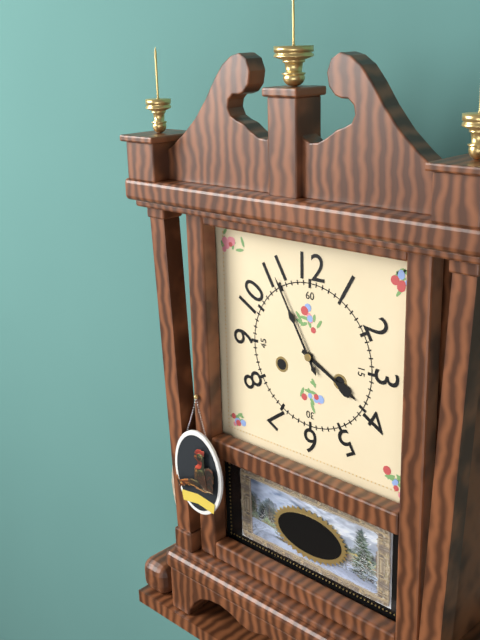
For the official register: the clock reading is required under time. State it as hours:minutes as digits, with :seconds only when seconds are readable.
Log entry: 3:55
